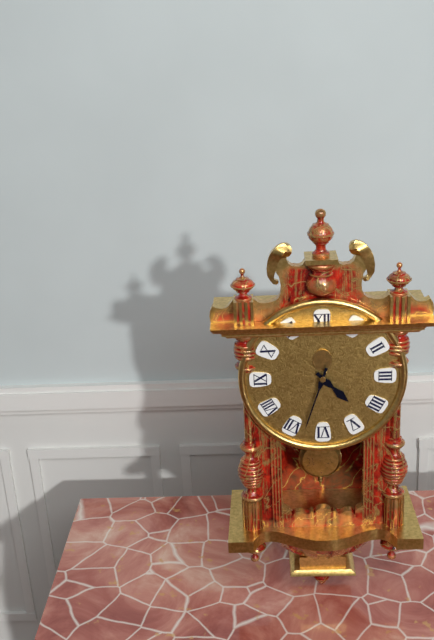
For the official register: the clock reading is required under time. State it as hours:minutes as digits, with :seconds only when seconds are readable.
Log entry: 4:33
